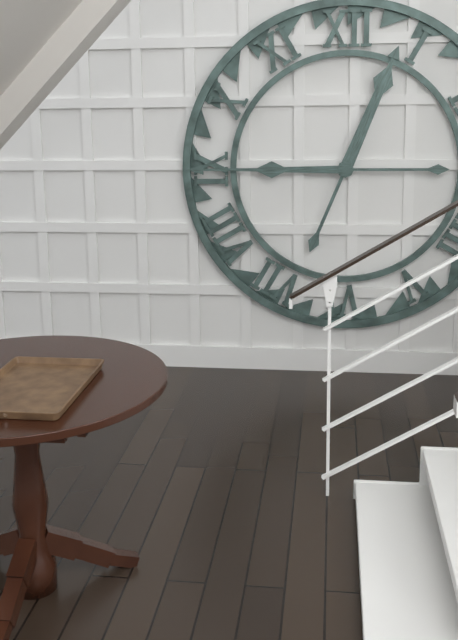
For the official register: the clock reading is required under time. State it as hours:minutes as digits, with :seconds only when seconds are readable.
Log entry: 12:45
